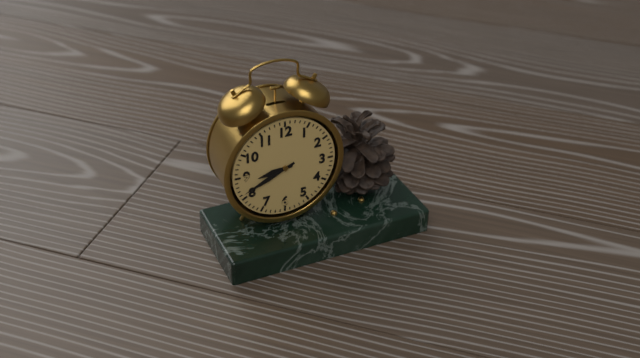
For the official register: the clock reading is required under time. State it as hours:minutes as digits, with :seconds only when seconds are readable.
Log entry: 8:41
